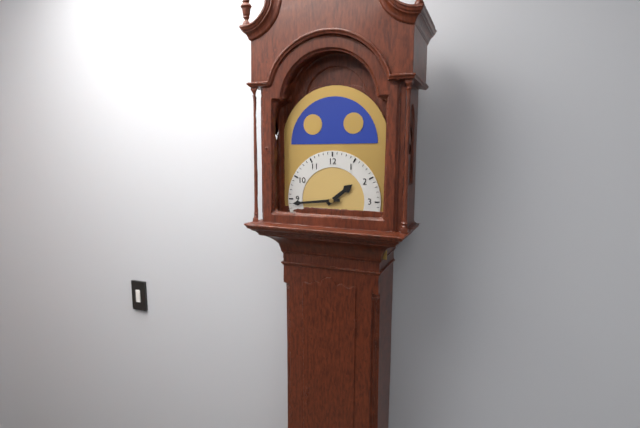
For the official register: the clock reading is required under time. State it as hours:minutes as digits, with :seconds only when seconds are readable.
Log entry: 1:44
